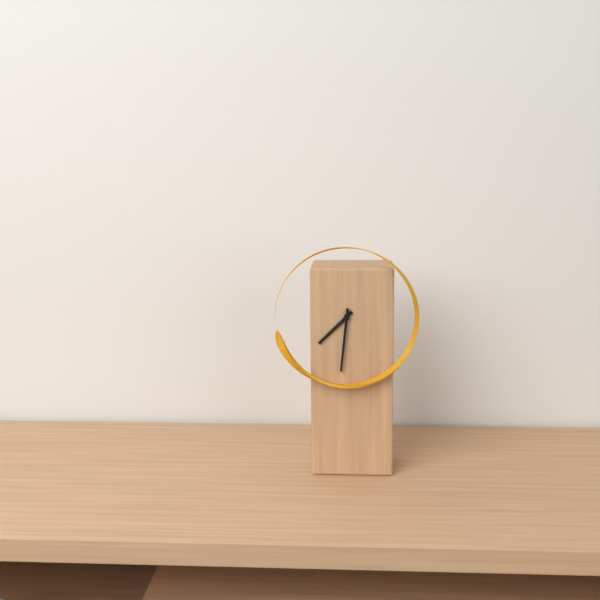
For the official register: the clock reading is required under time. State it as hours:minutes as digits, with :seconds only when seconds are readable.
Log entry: 7:31
